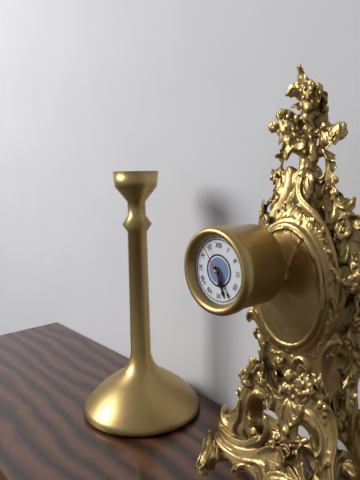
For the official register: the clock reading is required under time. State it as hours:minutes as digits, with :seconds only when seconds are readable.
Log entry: 5:26
